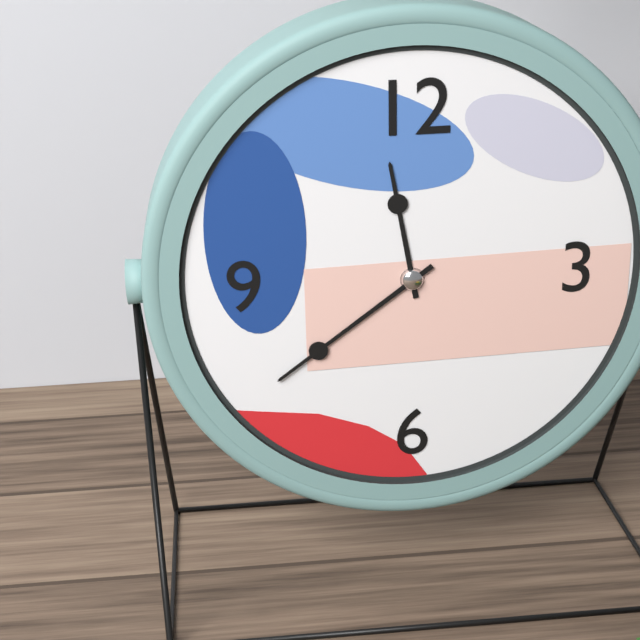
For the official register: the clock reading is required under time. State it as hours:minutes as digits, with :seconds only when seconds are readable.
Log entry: 11:39
